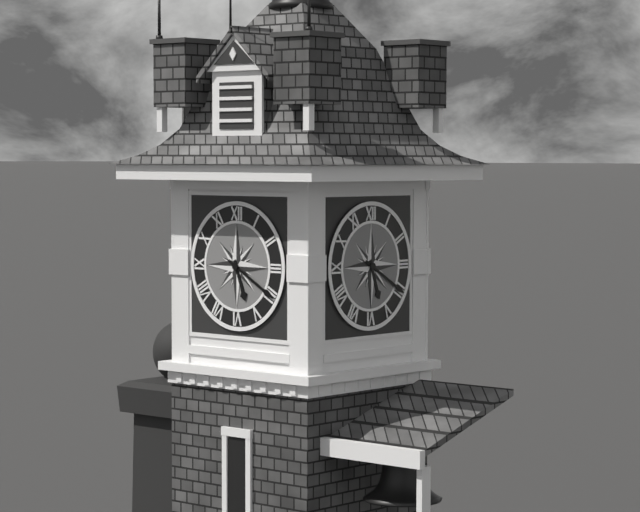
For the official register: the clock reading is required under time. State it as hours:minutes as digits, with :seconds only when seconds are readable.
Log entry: 5:20
